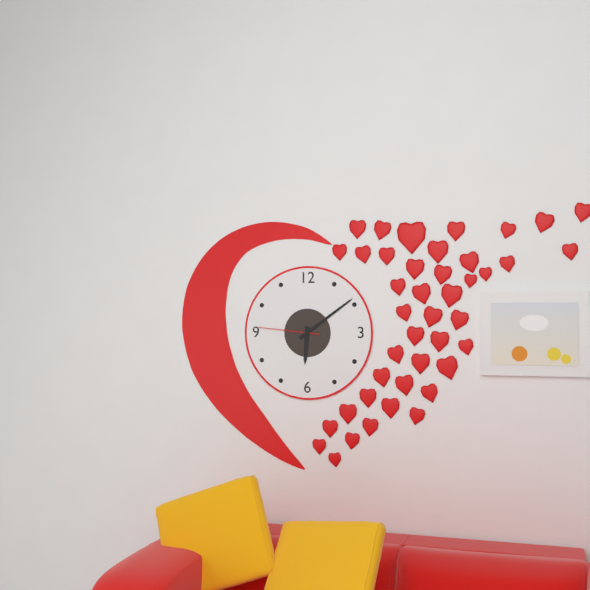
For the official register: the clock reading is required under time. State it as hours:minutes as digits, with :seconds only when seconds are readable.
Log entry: 6:09:46
